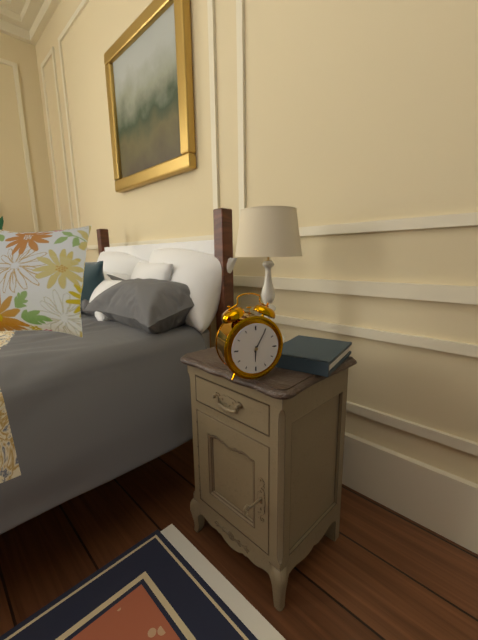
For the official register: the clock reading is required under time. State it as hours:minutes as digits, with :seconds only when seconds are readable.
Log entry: 6:05
